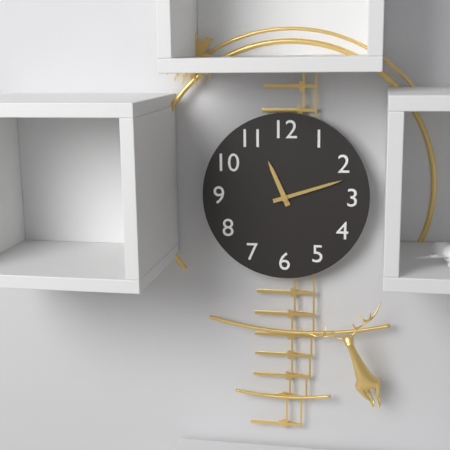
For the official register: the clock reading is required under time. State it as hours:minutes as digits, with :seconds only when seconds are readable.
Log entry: 11:12
